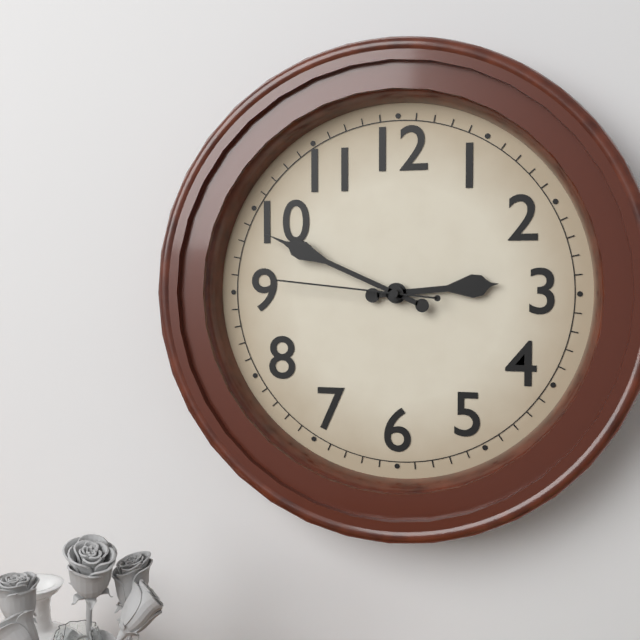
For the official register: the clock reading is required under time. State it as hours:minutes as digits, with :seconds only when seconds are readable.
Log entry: 2:49:46
